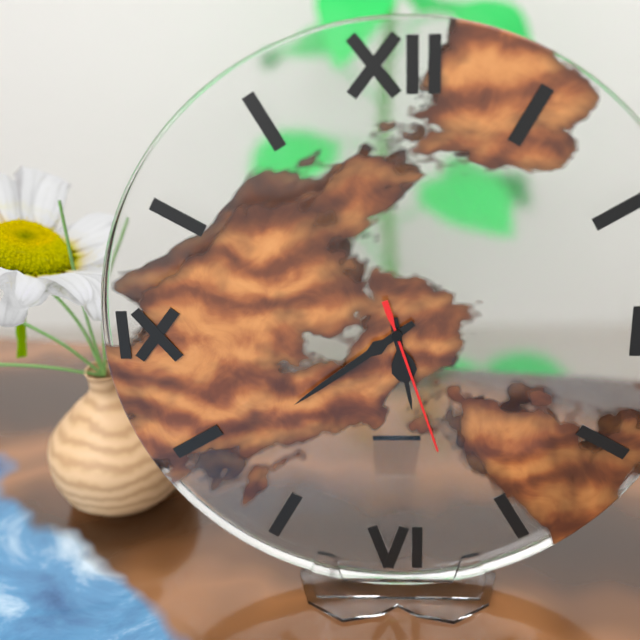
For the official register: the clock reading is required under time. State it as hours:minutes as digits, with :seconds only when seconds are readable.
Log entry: 5:39:27
